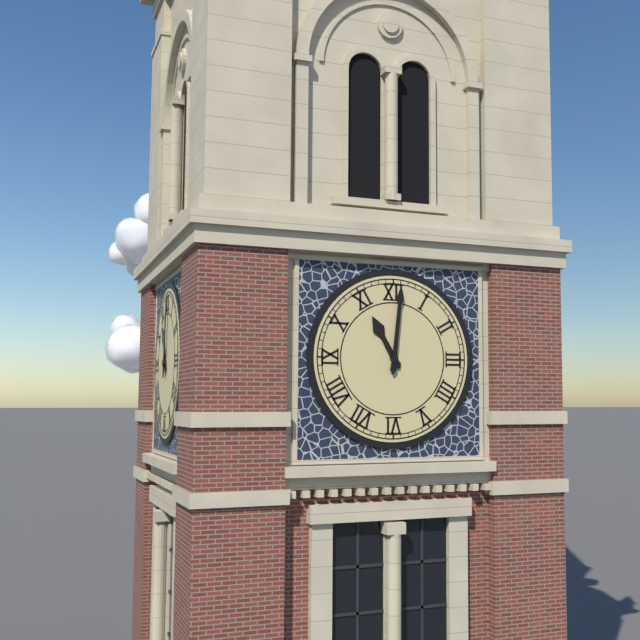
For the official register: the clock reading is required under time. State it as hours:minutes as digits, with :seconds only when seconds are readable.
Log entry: 11:01
